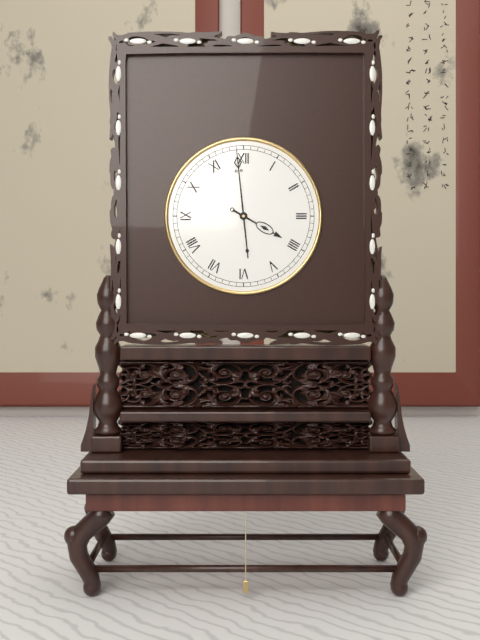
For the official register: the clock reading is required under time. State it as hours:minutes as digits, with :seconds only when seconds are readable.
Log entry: 3:59
